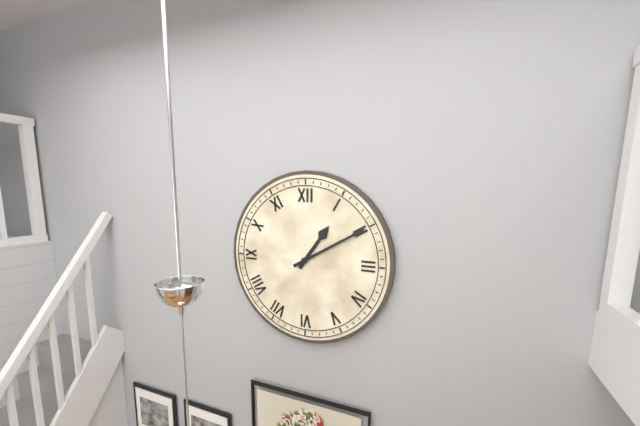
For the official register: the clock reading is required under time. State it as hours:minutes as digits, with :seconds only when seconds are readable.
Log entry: 1:10
